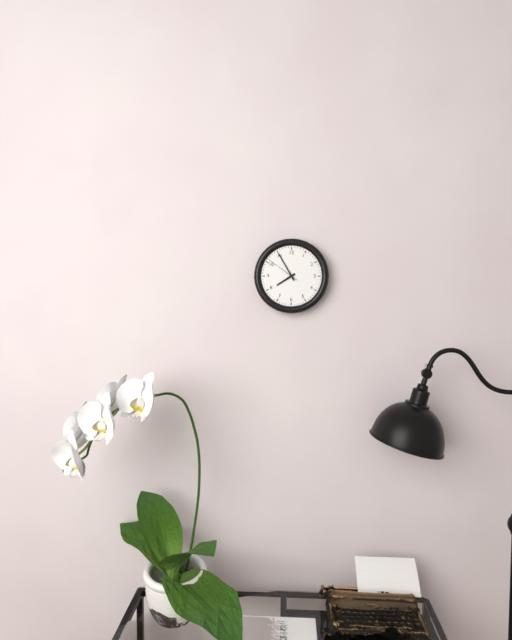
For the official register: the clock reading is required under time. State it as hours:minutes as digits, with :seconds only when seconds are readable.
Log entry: 7:55
